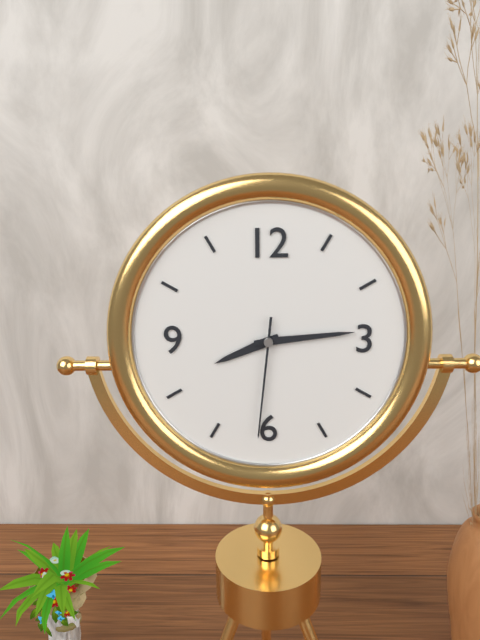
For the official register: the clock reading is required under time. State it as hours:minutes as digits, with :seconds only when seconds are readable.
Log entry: 8:14:31
